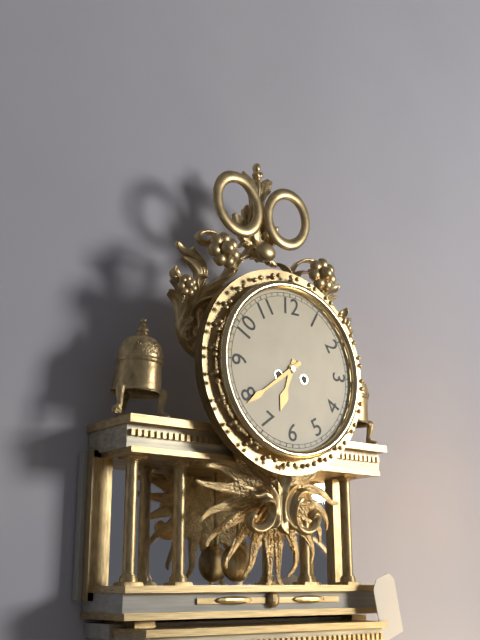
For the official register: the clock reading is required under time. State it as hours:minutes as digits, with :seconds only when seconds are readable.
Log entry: 6:39
